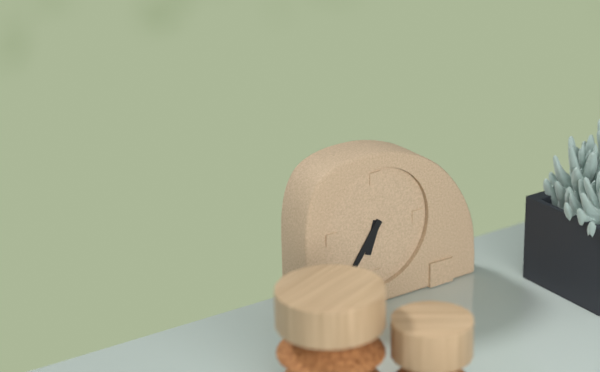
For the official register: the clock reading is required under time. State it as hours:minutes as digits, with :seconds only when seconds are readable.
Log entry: 6:36
